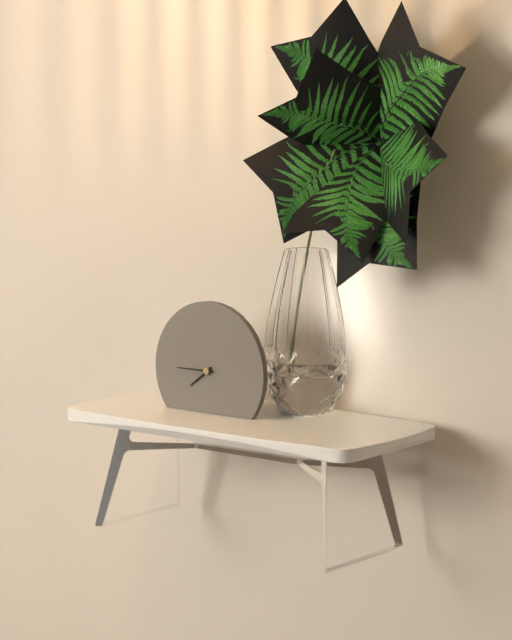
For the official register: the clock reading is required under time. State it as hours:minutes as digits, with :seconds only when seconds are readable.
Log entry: 7:45
